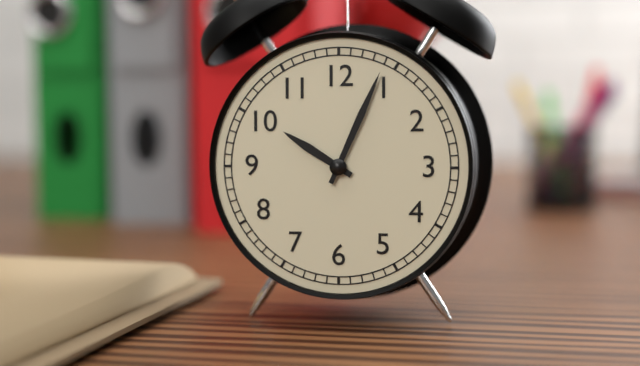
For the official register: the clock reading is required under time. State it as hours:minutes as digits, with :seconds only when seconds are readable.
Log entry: 10:04
